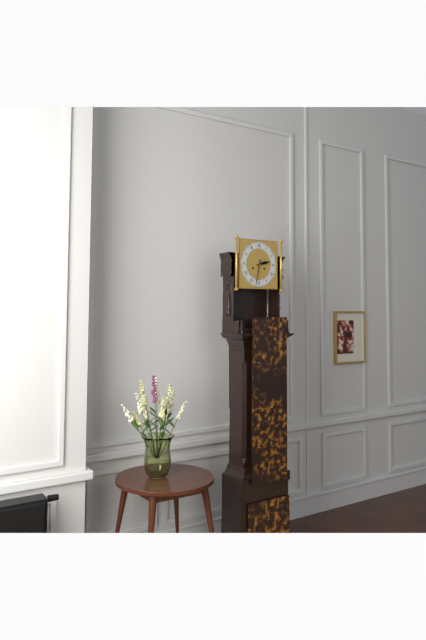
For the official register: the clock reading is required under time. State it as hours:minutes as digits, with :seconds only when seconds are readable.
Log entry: 2:32
